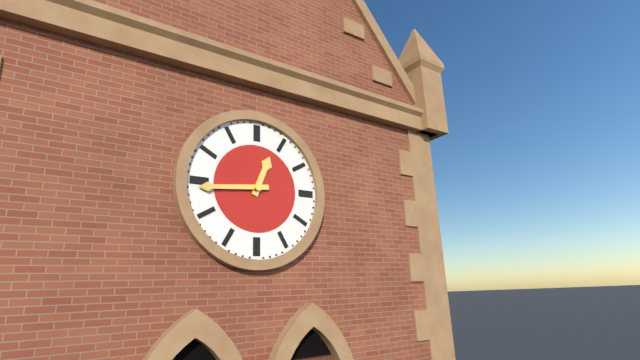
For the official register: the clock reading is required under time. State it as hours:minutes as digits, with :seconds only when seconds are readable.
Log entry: 12:44
